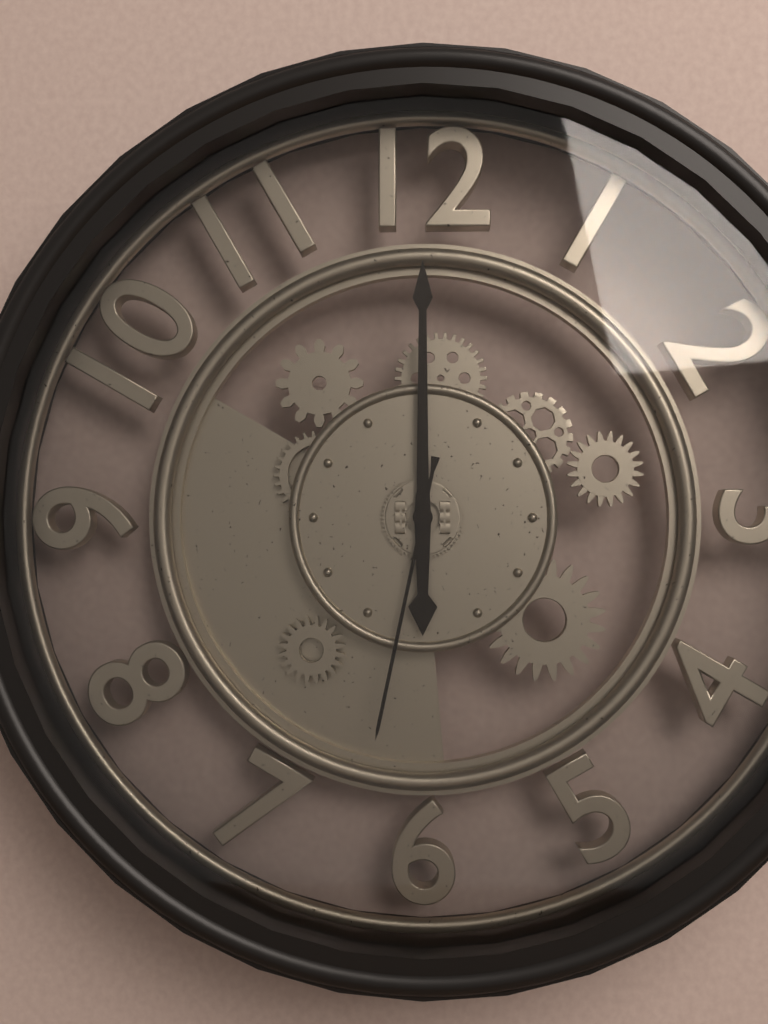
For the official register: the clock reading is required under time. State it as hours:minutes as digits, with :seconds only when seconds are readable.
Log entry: 6:00:32
